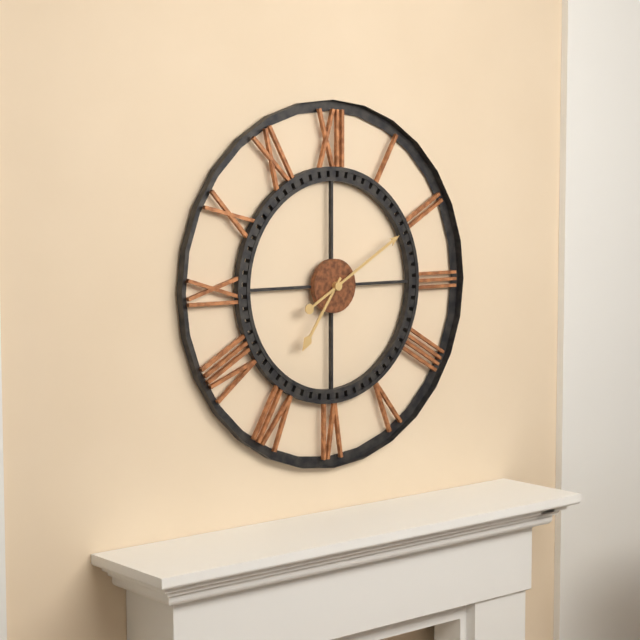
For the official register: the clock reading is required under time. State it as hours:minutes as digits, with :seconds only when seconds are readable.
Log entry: 7:10
